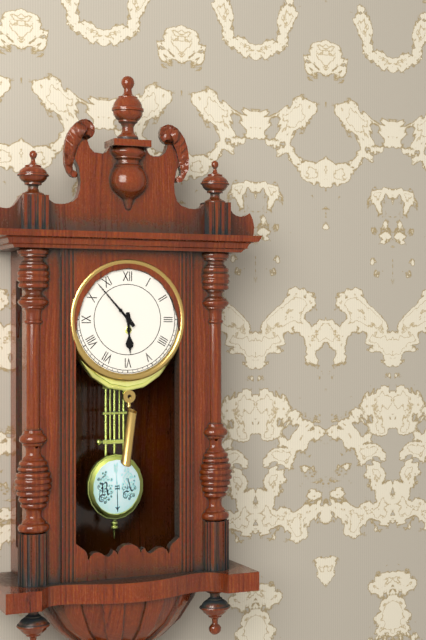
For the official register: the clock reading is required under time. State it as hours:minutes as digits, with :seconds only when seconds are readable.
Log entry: 5:53
